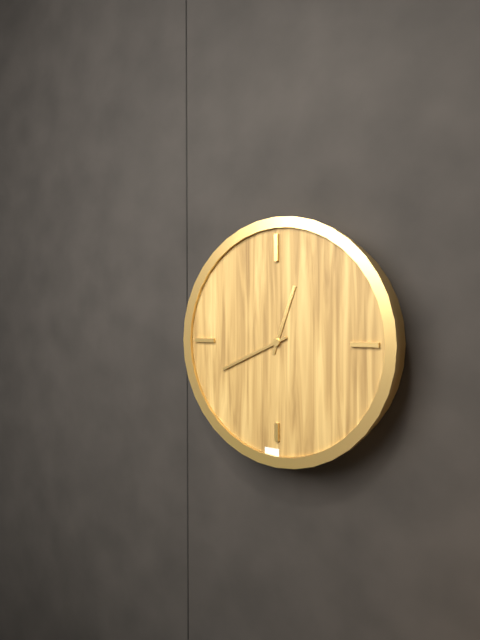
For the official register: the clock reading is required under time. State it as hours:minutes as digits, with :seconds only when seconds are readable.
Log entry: 12:41
